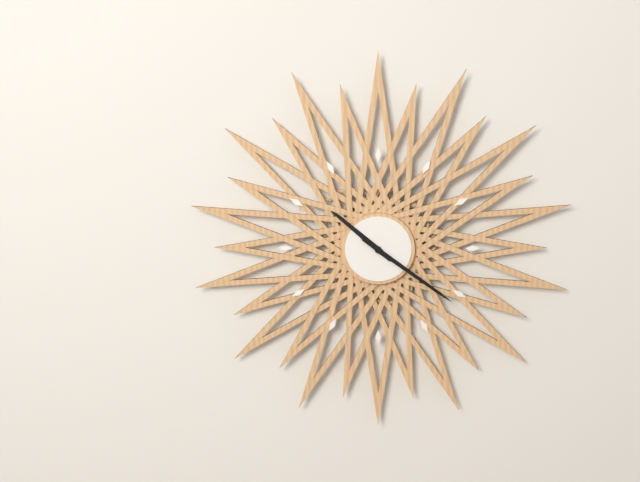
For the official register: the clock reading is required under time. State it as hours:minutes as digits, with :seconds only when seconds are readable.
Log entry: 10:21
